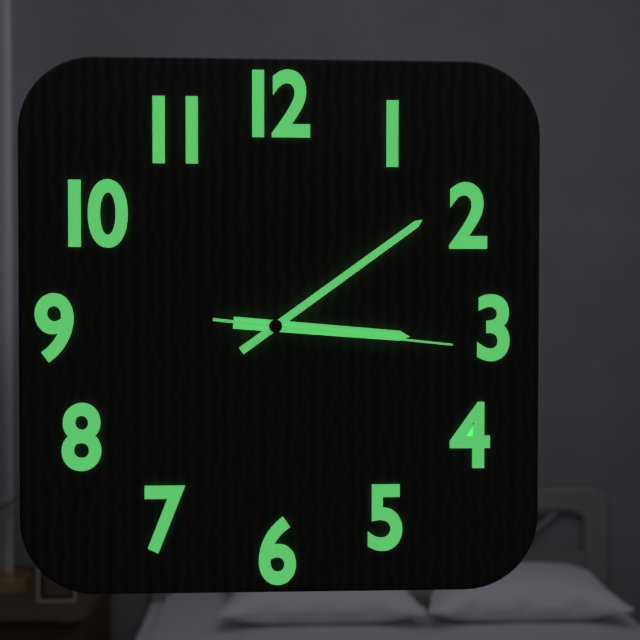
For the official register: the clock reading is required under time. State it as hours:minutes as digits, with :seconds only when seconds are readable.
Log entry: 3:09:16
